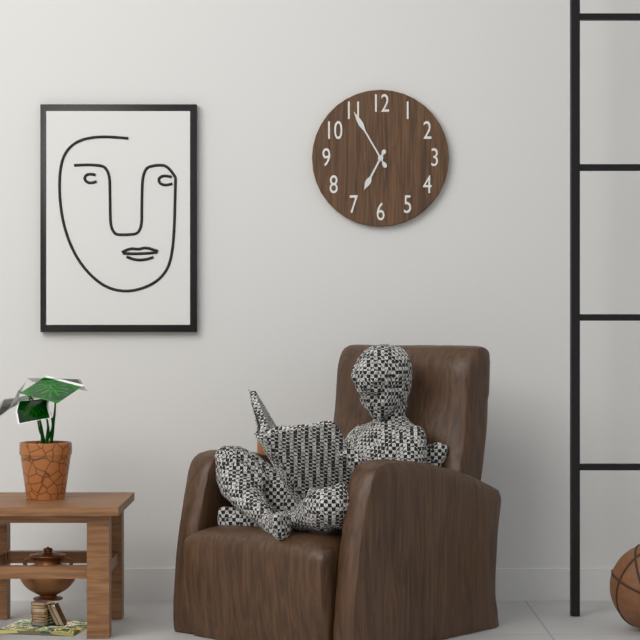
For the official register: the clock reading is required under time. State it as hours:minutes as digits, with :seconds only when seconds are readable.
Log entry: 6:55
